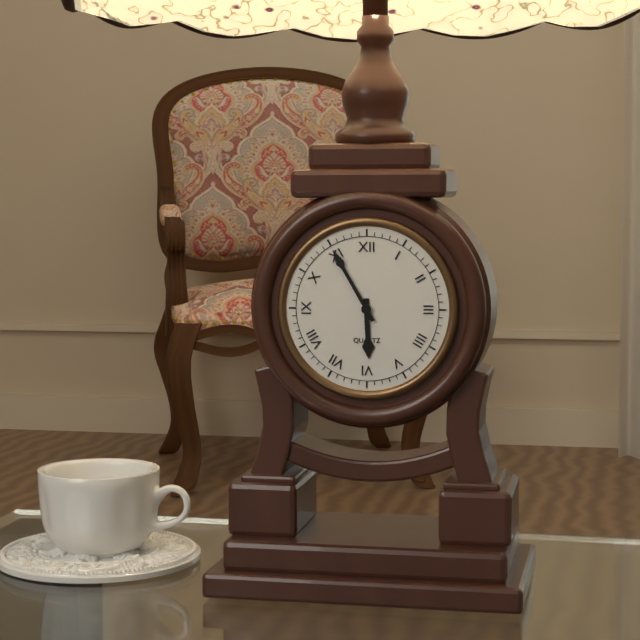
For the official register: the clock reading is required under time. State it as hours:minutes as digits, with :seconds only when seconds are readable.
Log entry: 5:55
